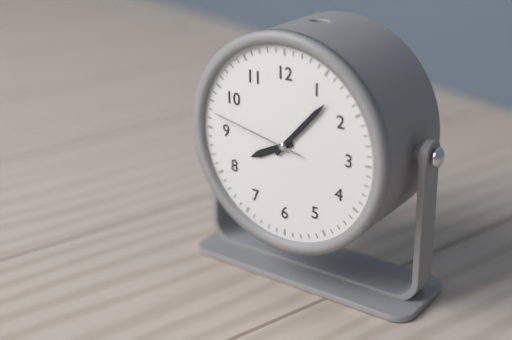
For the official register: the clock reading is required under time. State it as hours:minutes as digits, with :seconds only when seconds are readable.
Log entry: 8:07:47
